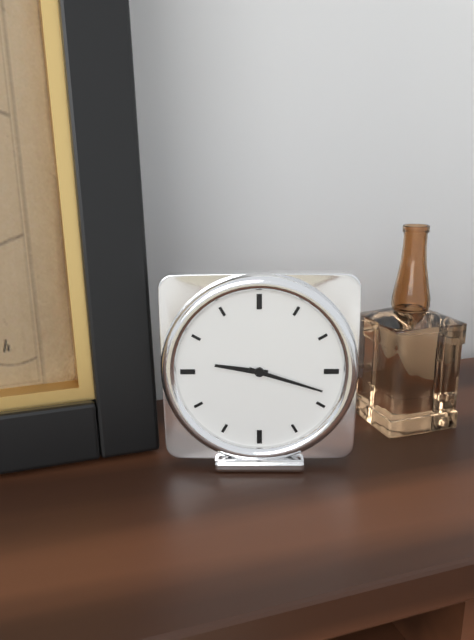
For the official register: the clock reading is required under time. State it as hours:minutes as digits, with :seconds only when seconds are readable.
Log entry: 9:18
